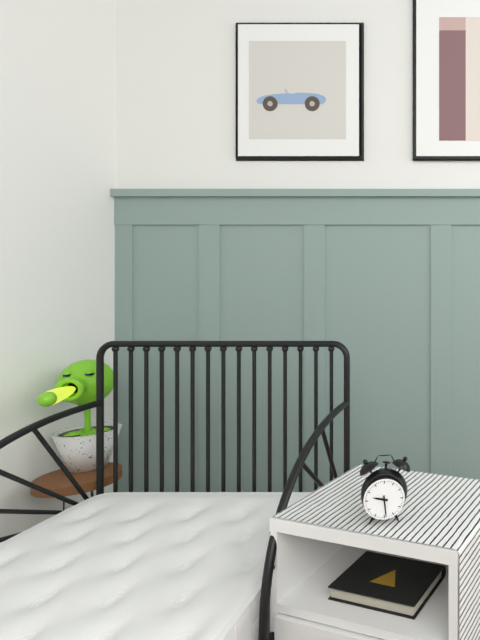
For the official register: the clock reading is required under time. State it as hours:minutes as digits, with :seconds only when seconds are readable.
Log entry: 9:29
